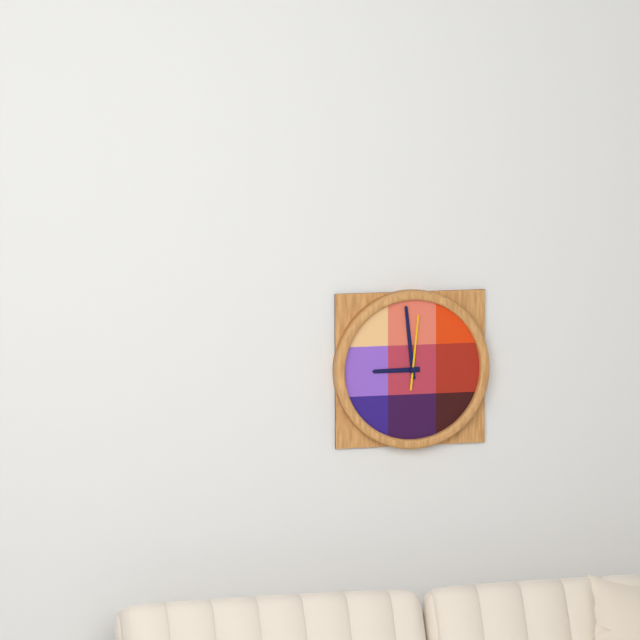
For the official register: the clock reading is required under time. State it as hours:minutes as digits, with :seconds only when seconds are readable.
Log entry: 8:59:01
